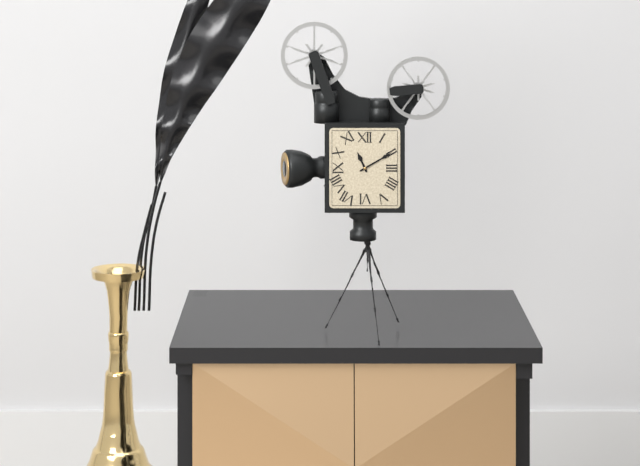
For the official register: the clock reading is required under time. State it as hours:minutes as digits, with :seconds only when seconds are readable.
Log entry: 11:10
